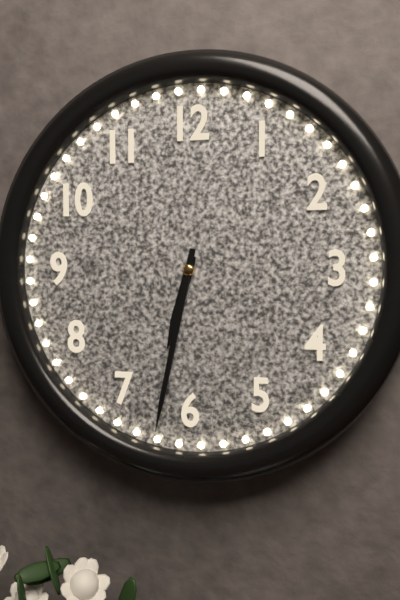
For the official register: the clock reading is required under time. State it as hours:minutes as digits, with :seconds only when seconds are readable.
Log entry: 6:32
